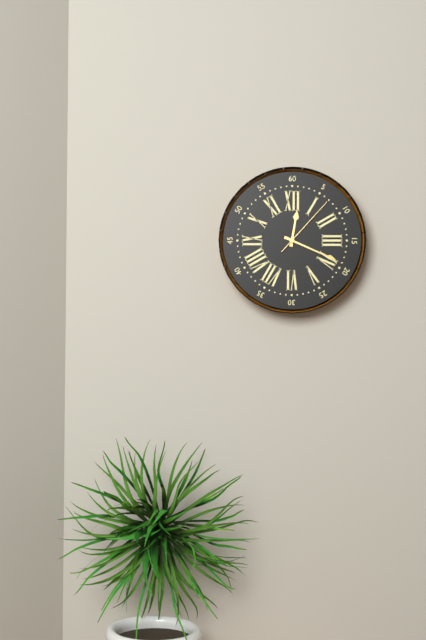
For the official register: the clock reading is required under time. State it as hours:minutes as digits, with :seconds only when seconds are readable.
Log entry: 12:19:07
